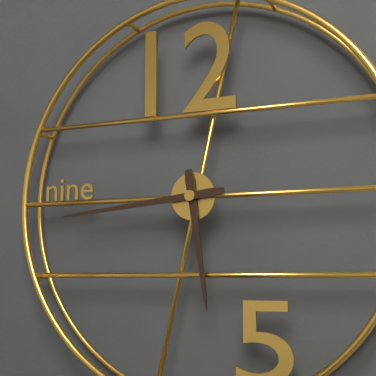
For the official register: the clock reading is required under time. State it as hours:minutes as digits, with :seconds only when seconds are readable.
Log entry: 5:44
